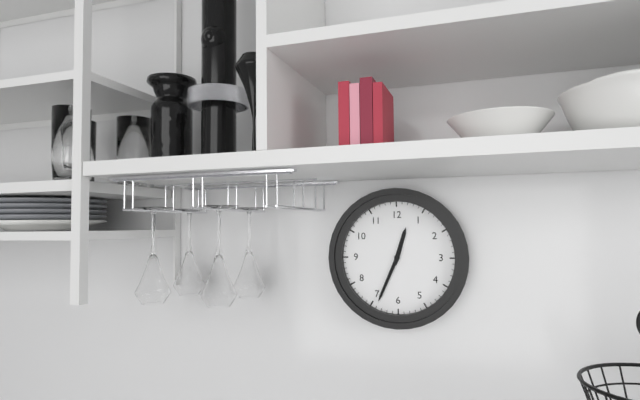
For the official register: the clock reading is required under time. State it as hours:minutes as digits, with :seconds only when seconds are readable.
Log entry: 12:34
